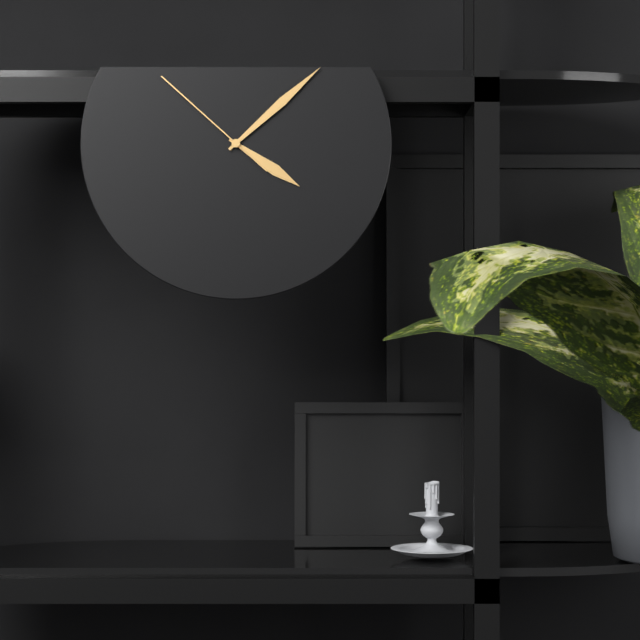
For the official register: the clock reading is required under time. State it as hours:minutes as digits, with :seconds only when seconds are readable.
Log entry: 4:08:52
